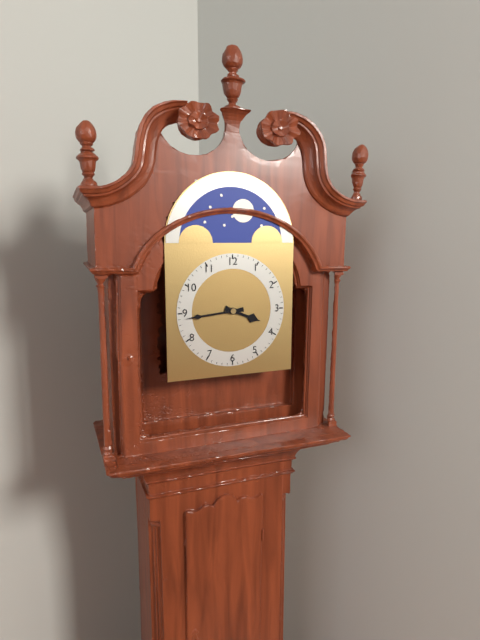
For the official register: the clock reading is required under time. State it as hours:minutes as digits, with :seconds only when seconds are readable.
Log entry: 3:44
